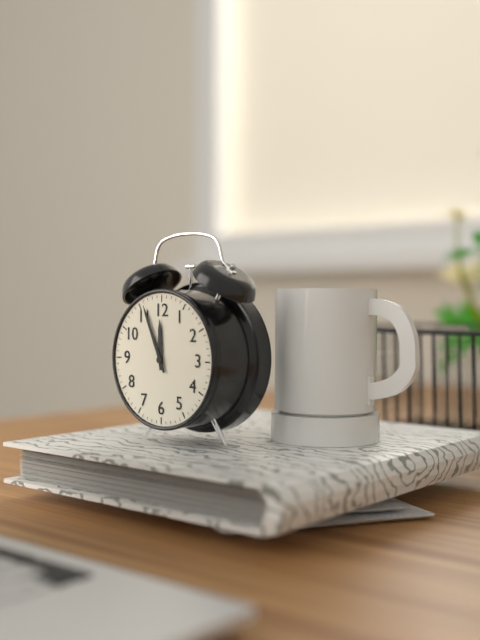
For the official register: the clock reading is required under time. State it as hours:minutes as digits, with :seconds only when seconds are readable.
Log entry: 11:56
